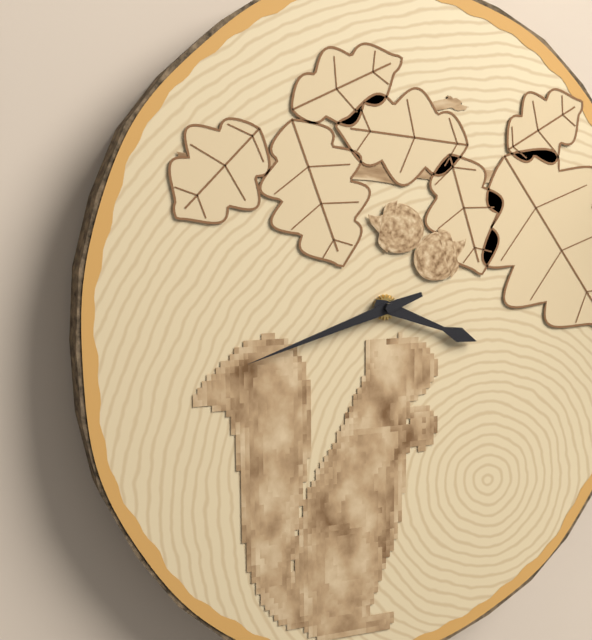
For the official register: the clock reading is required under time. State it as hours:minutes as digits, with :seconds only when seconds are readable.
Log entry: 3:42
